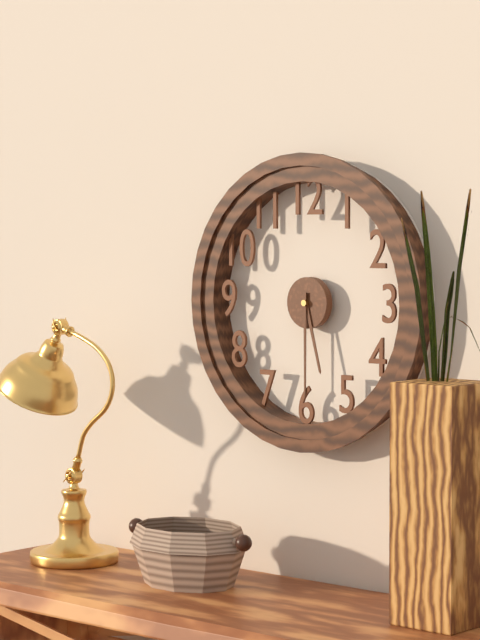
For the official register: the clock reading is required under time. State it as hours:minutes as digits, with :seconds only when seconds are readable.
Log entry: 5:30
